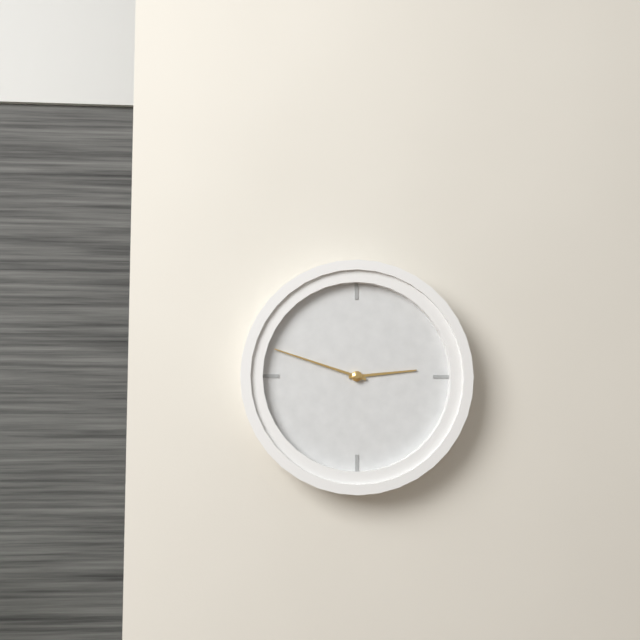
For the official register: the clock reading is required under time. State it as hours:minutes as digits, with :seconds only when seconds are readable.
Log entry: 2:48
